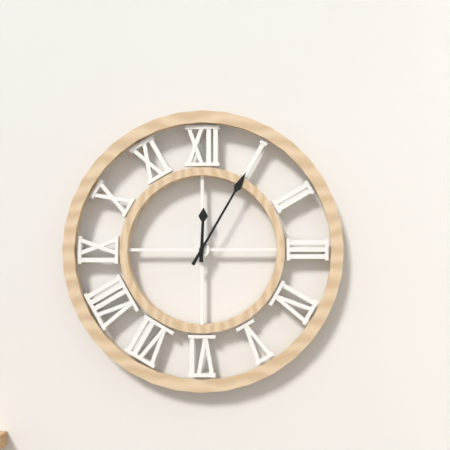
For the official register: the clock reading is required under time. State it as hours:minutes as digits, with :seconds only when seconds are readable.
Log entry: 12:05
